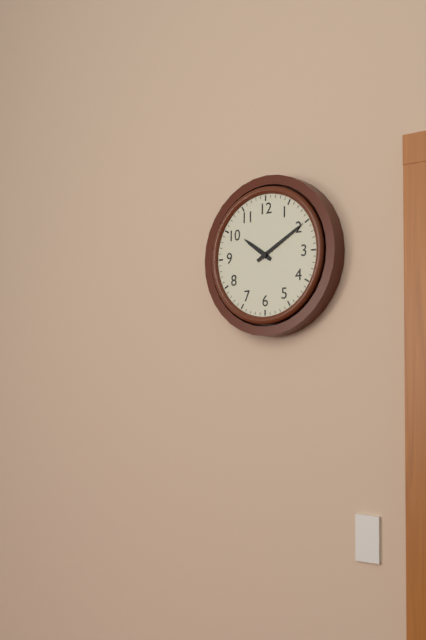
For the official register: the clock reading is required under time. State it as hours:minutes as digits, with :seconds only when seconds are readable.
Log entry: 10:10
